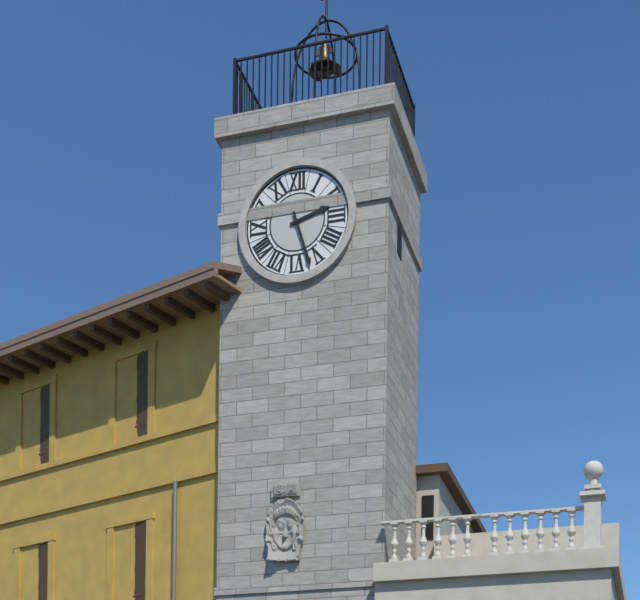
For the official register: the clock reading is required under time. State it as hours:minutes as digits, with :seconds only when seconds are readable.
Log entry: 2:27
